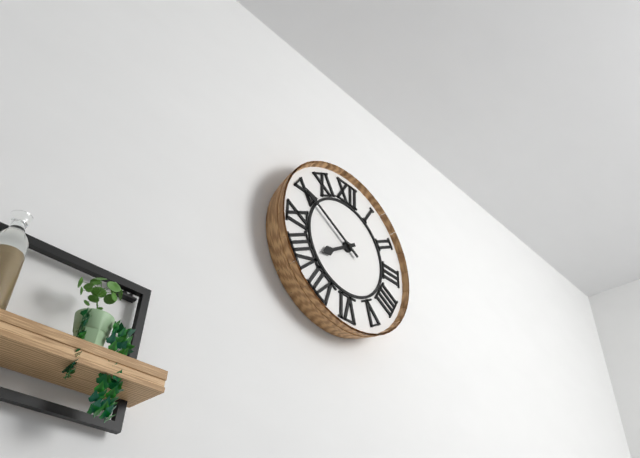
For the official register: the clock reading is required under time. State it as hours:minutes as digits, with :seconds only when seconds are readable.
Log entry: 7:50
